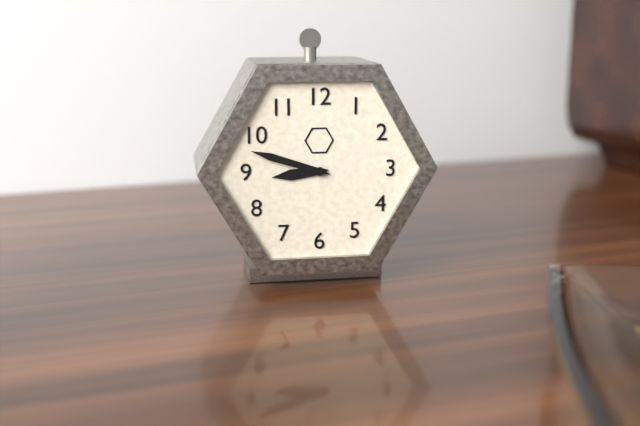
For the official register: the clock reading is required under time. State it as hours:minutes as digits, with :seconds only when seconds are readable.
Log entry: 8:48
